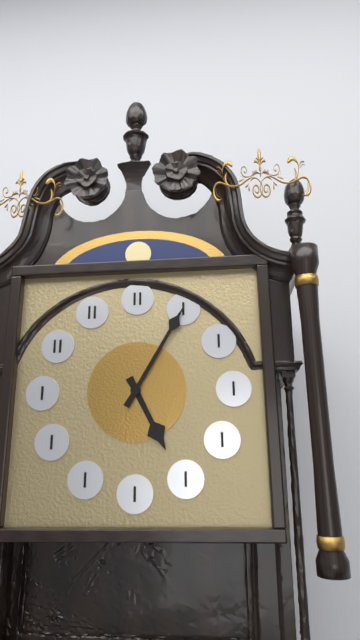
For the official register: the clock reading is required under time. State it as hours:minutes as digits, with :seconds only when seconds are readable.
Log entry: 5:05
